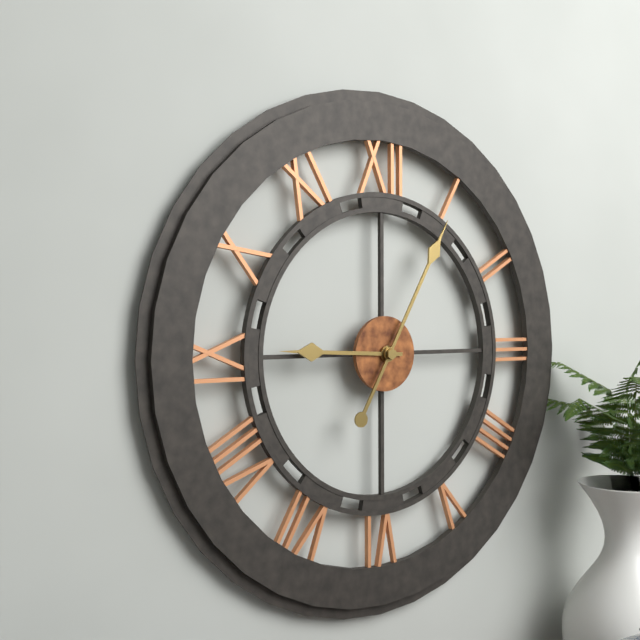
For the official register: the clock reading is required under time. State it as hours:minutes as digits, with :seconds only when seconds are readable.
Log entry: 9:05
